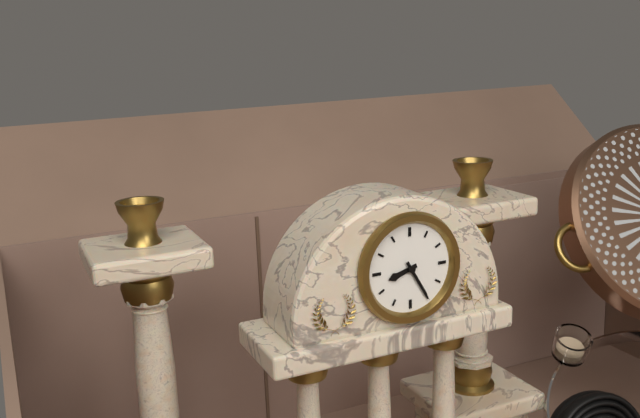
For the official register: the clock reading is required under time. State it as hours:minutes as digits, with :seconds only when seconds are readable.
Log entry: 8:25
